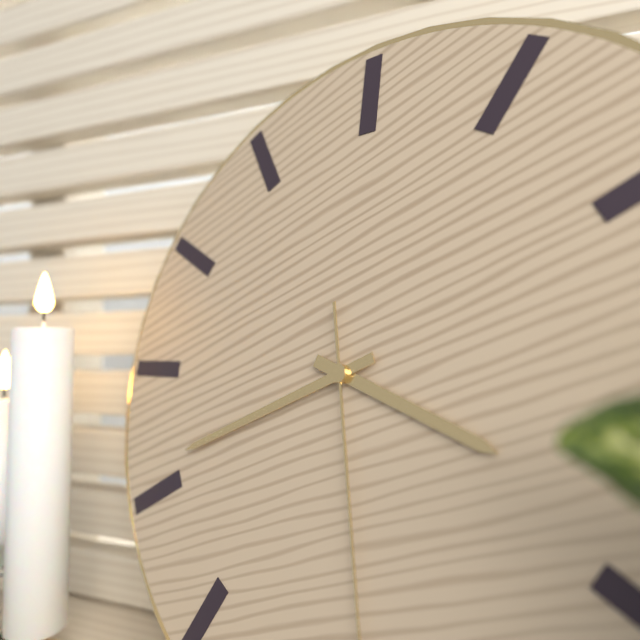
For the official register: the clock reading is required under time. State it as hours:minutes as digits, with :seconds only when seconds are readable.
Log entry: 3:41
